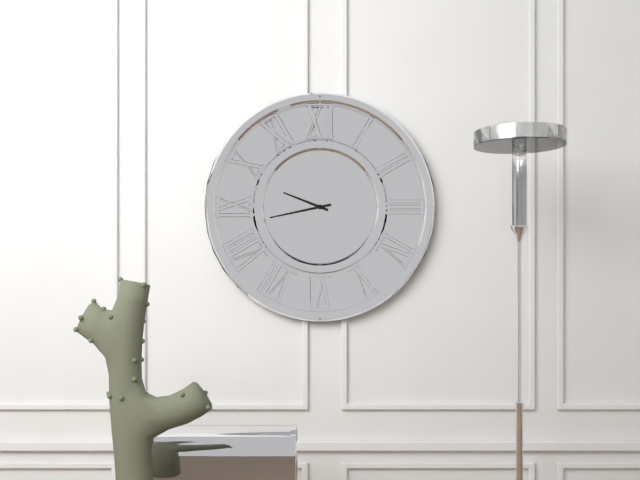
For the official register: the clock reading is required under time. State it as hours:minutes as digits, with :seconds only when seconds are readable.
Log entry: 9:43
